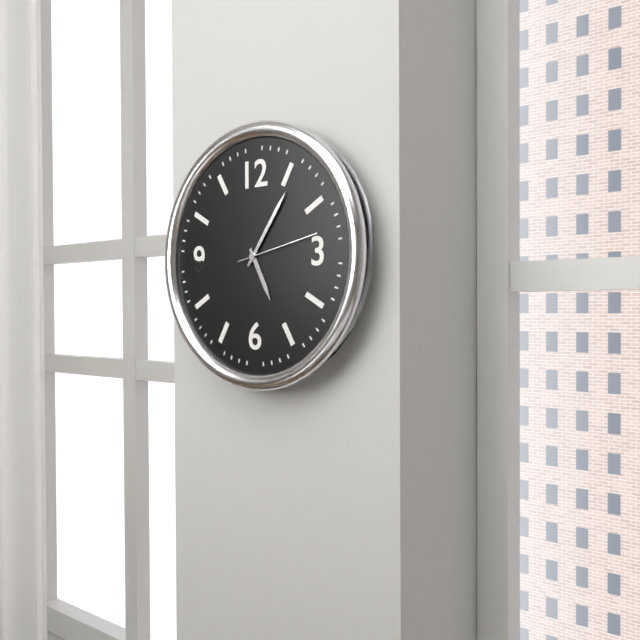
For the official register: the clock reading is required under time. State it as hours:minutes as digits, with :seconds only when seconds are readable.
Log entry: 5:06:13
